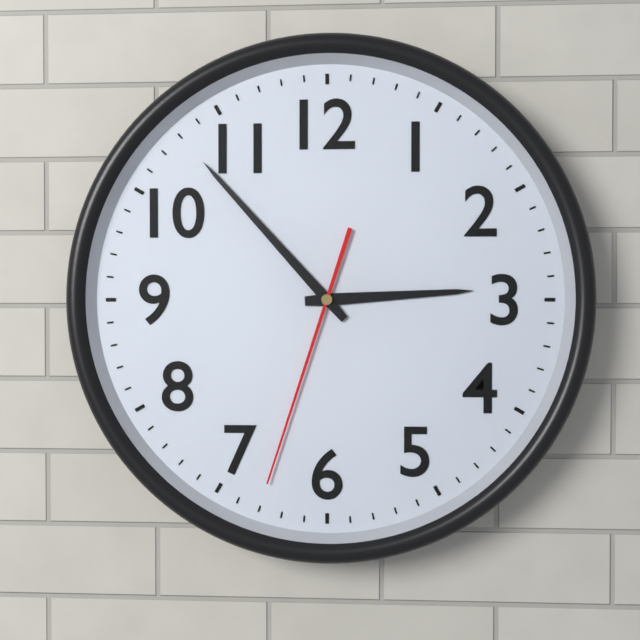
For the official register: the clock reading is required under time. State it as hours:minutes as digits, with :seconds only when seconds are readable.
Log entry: 2:53:33
